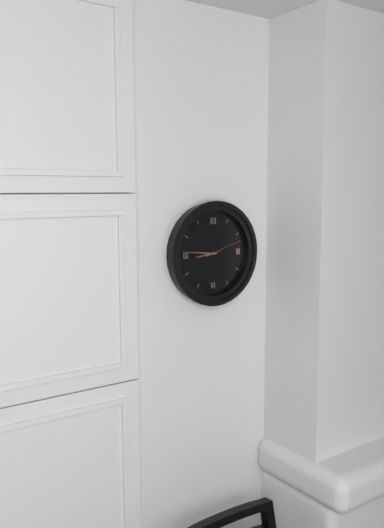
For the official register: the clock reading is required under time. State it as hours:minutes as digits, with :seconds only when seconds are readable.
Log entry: 8:46
